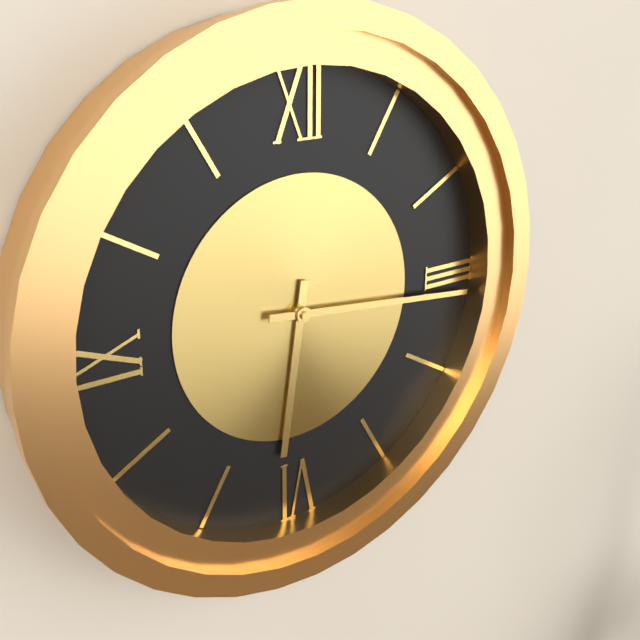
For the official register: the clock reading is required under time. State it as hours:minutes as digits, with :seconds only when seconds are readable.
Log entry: 6:16
